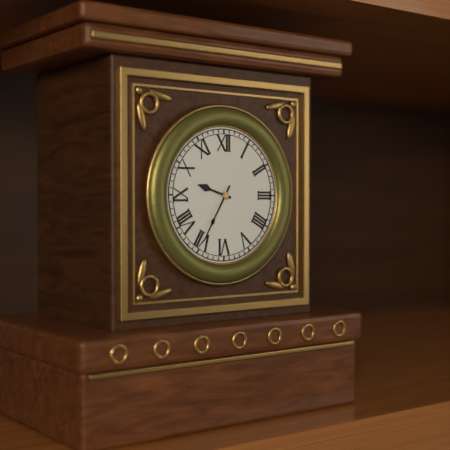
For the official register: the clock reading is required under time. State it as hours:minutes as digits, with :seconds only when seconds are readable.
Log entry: 9:35
